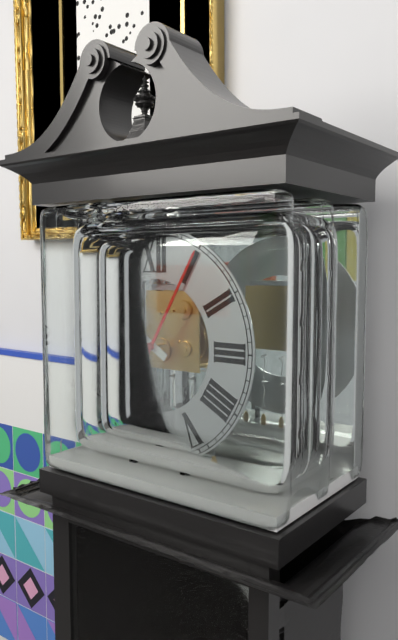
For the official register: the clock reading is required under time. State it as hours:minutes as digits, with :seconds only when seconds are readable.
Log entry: 10:05
